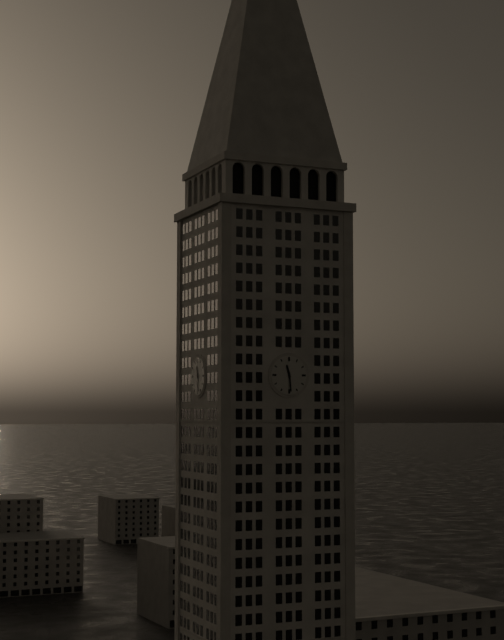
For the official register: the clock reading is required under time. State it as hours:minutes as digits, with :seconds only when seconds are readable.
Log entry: 11:29
